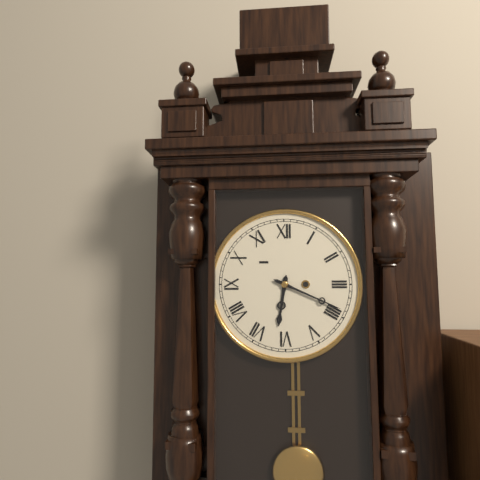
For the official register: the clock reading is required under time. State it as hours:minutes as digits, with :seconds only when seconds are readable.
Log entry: 6:19
